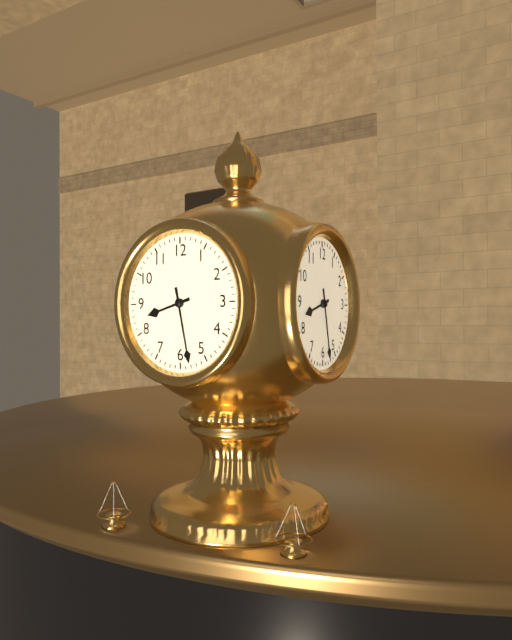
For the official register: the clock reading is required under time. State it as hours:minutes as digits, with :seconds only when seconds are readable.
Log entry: 8:28
